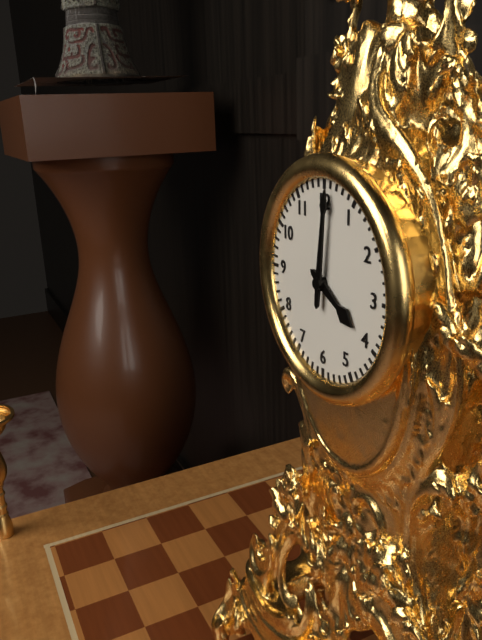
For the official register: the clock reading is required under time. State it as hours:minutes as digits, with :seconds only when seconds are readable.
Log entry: 4:01
